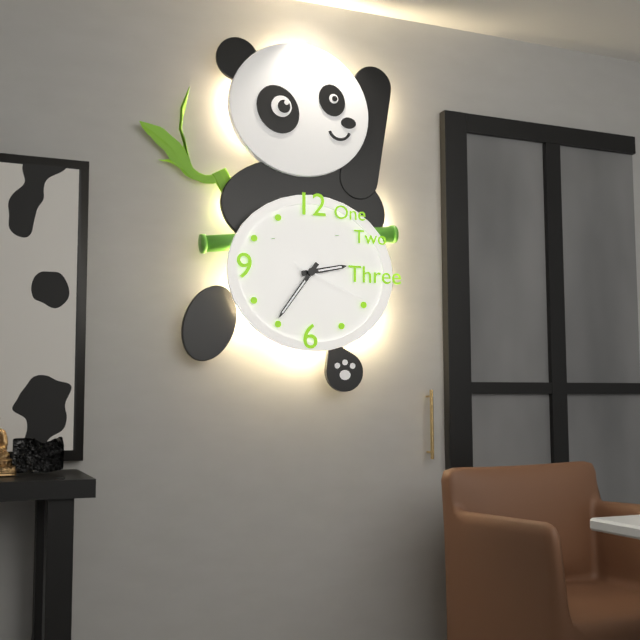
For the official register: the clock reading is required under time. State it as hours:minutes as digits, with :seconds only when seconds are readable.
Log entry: 2:36:19
